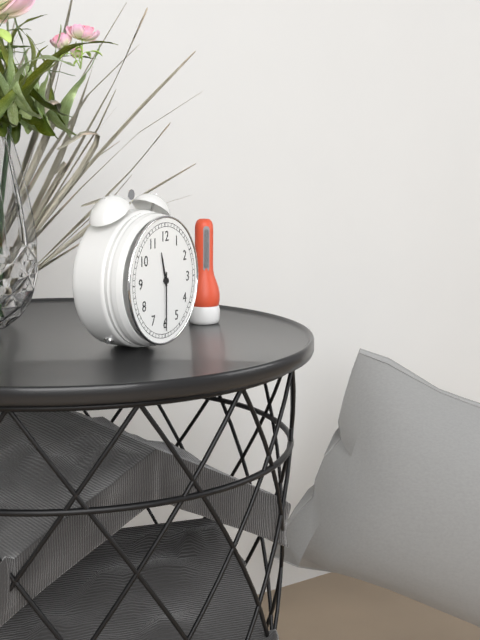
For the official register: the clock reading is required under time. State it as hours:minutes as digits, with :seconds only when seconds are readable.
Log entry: 11:30
